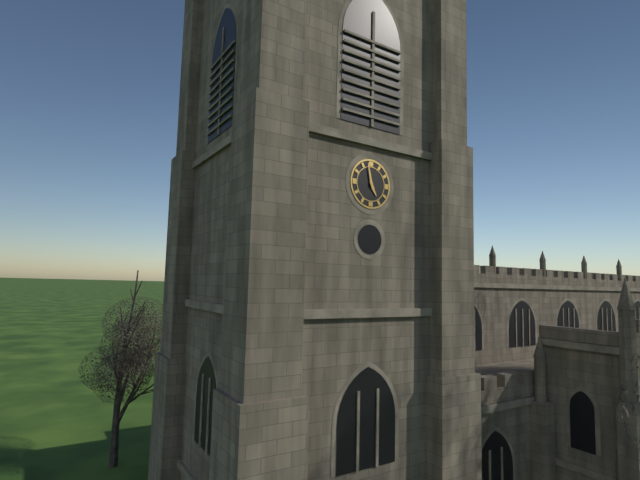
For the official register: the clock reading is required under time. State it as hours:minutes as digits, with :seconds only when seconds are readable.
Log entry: 4:58
